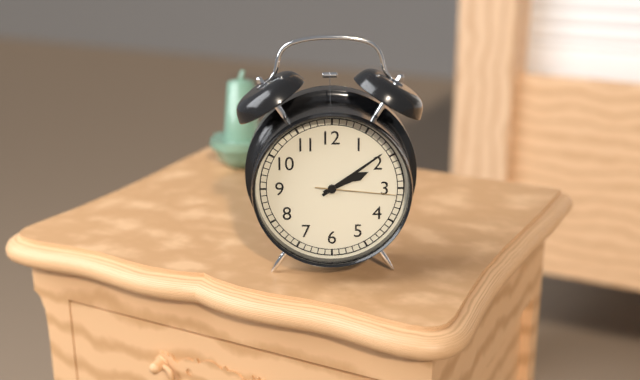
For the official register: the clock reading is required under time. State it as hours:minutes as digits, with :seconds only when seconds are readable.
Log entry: 2:09:16
